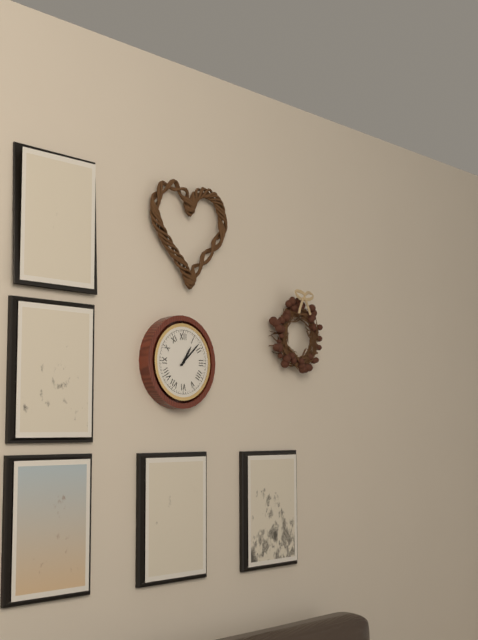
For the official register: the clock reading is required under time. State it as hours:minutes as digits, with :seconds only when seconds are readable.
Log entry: 1:08
